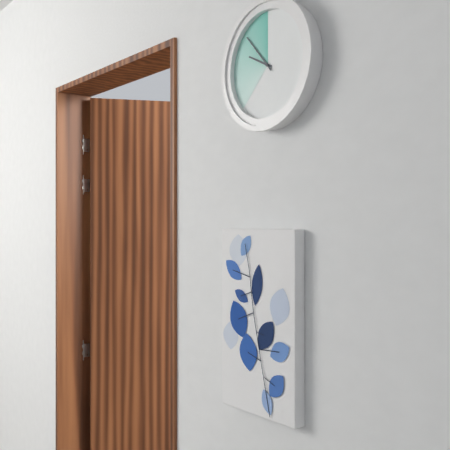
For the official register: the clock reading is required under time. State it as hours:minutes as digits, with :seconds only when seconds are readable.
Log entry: 9:53
